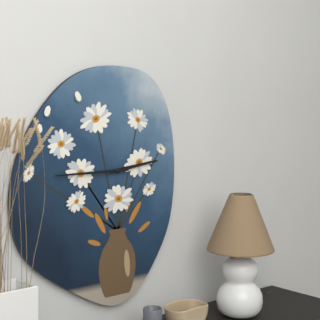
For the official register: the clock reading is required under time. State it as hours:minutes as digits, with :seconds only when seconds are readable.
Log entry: 2:45
